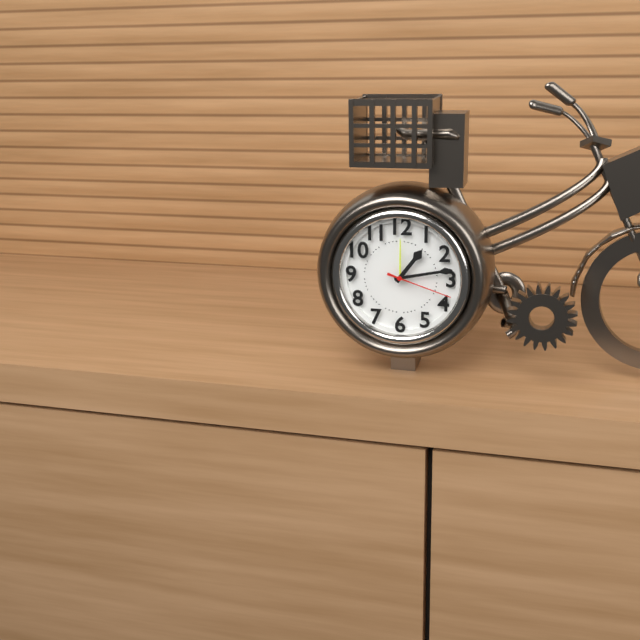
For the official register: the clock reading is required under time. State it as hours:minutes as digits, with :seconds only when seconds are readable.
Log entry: 1:13:18
